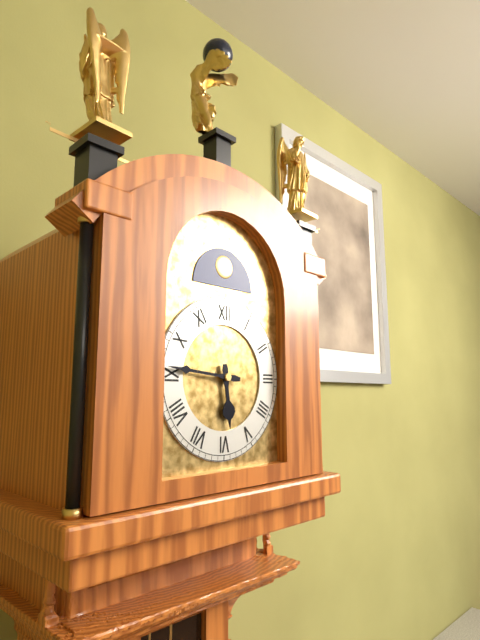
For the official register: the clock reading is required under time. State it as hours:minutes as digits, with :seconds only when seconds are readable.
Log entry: 5:46
